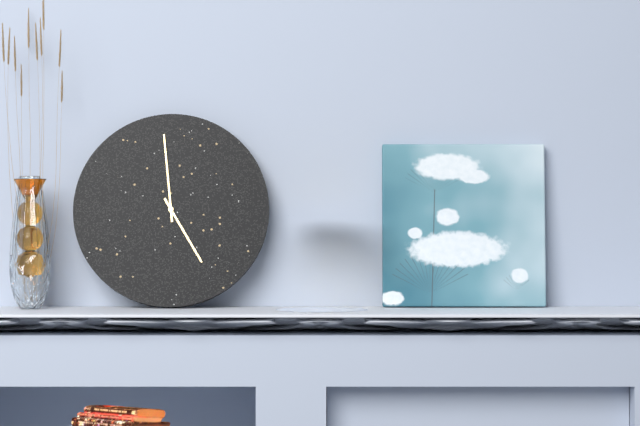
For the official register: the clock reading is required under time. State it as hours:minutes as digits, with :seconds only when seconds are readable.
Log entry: 4:59
